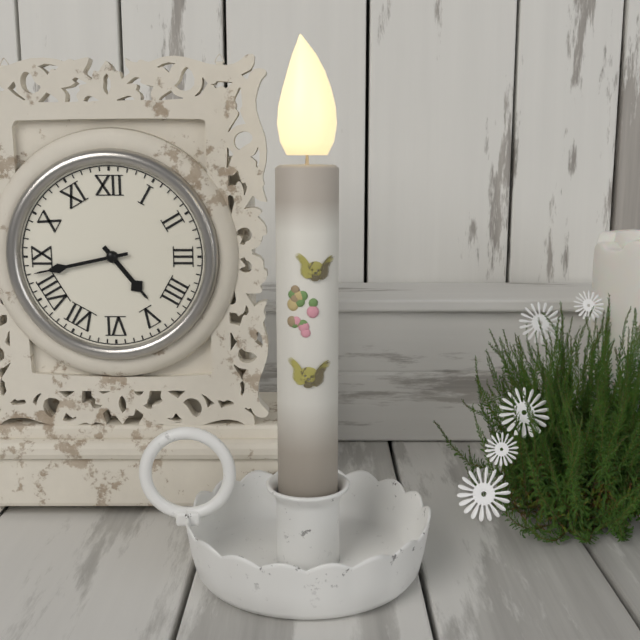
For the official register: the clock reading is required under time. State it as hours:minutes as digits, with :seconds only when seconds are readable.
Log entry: 4:43
